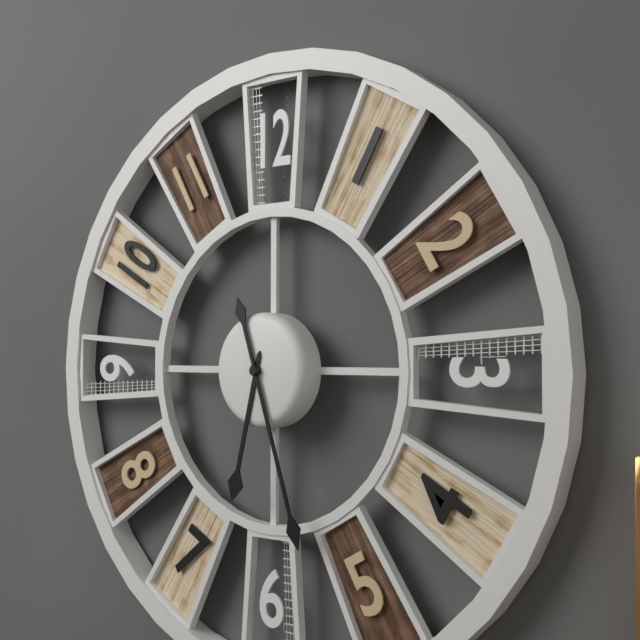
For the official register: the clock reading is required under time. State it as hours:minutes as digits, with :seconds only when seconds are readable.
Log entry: 6:27
